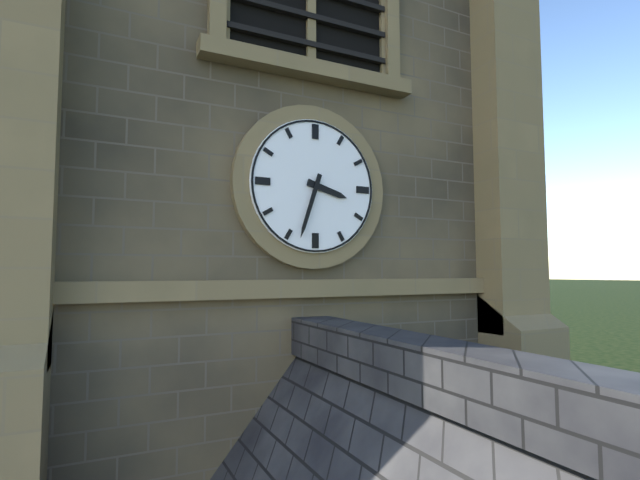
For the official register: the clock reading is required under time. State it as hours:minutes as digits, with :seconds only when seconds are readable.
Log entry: 3:33
